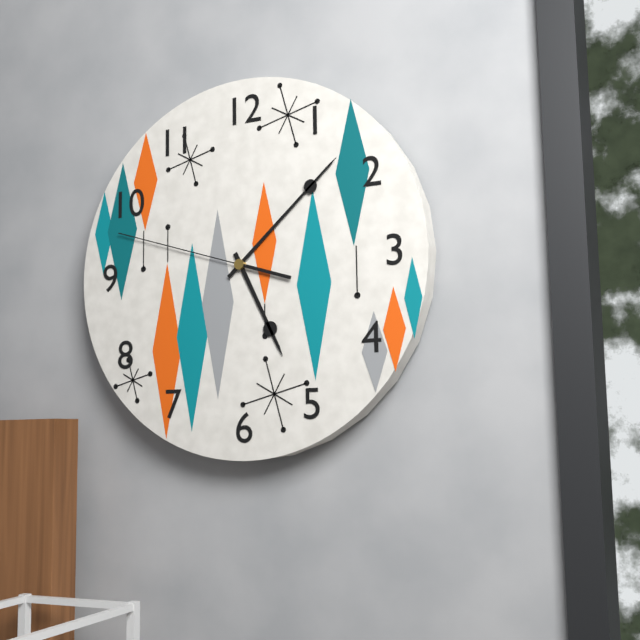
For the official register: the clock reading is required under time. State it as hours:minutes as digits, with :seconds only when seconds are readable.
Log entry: 5:08:48
